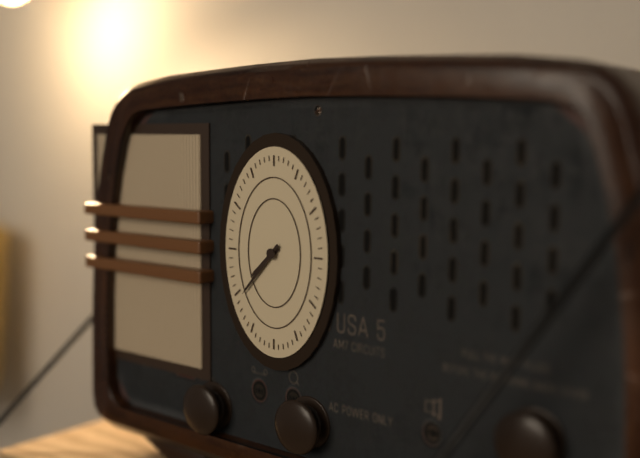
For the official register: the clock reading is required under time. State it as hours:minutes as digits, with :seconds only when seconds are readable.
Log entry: 7:37
